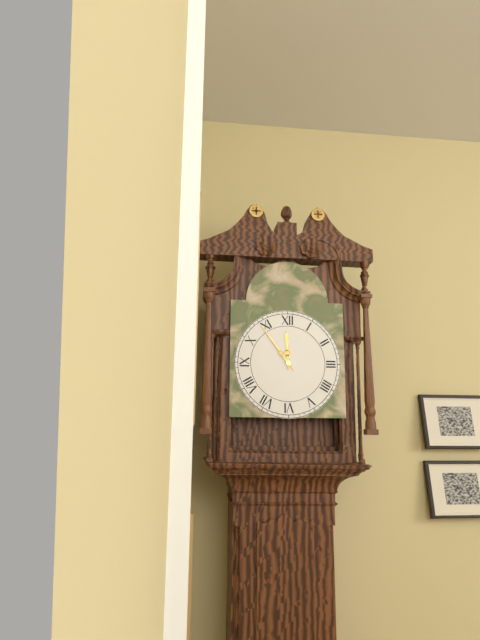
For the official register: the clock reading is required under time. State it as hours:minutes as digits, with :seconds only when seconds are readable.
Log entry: 11:54
